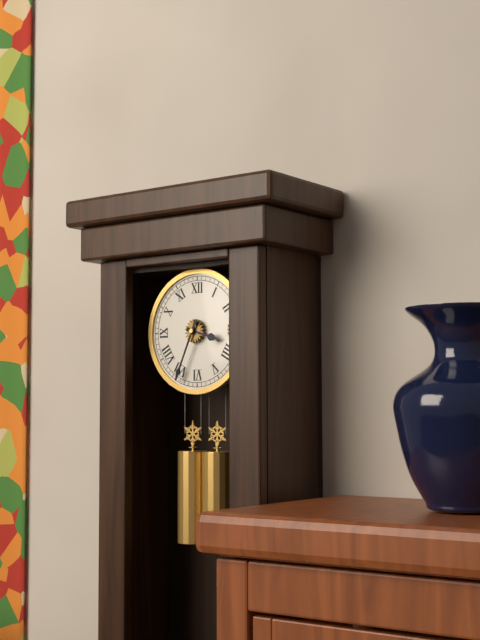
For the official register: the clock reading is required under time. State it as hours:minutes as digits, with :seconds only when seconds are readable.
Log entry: 3:34
